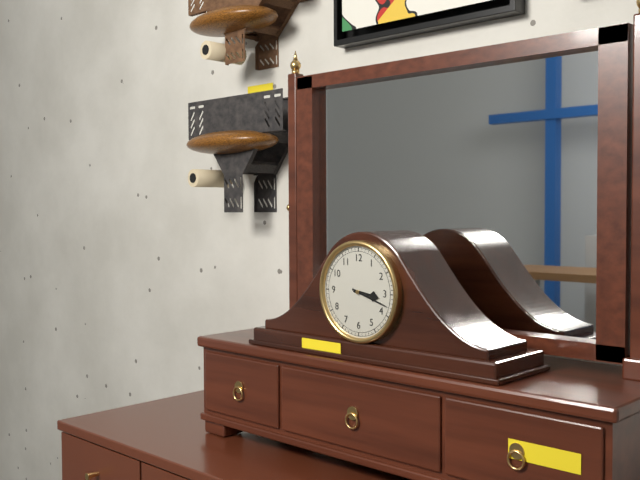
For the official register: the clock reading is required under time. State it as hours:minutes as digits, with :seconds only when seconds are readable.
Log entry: 3:18
